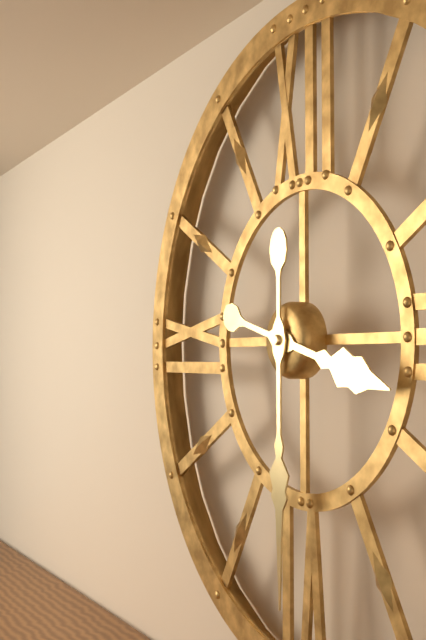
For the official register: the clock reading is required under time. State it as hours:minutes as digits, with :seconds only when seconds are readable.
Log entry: 3:30
